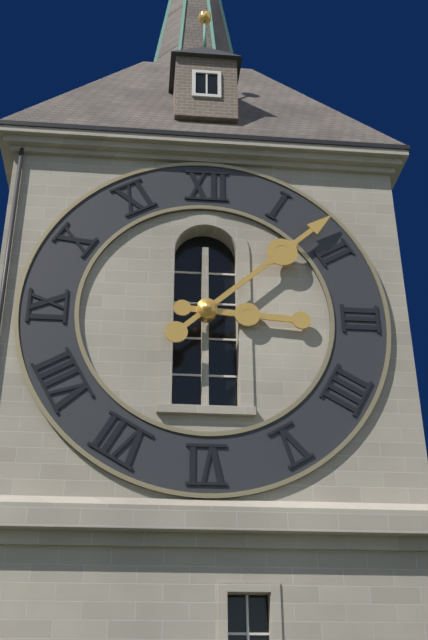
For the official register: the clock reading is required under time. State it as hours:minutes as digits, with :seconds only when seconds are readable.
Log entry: 3:08
